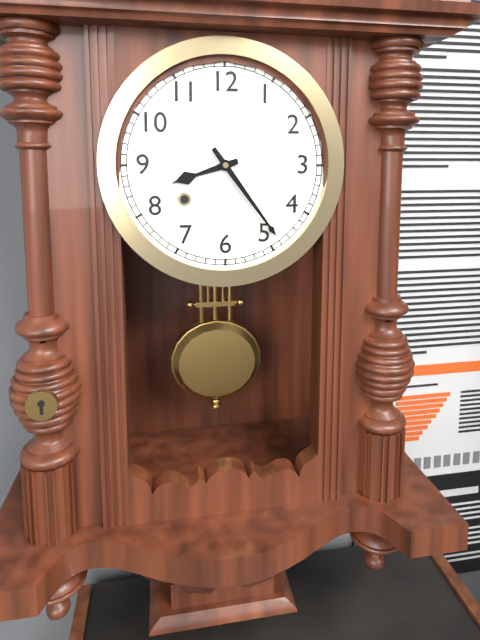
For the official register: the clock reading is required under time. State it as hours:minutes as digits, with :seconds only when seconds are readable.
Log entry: 8:24
